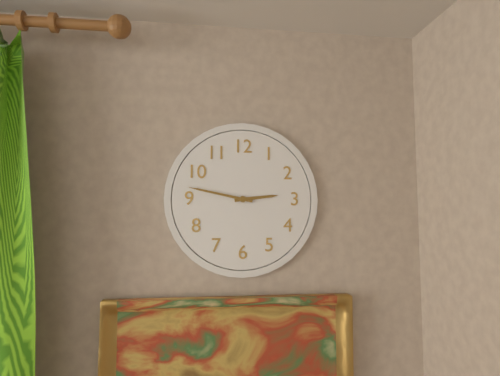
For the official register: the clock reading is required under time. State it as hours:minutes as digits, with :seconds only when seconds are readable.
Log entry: 2:47
